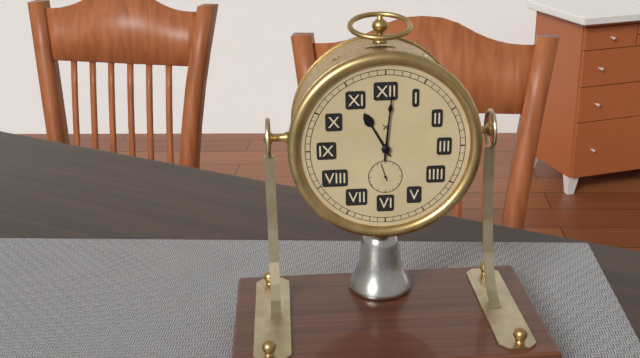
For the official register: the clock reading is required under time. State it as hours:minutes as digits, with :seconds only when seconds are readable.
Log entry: 11:01
